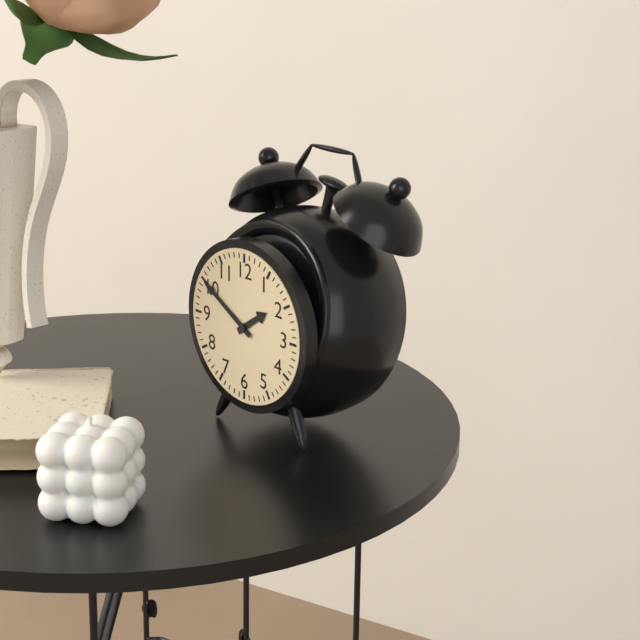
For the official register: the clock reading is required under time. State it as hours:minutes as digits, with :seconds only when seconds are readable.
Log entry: 1:50
